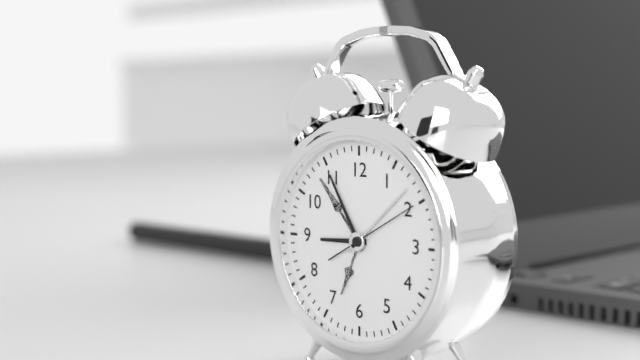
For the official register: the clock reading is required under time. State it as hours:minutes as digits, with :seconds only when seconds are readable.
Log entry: 8:55:10
